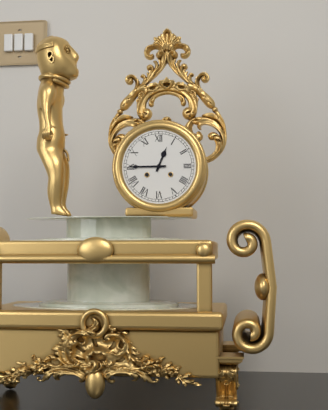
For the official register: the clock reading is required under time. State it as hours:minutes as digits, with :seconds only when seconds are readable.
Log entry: 12:45
